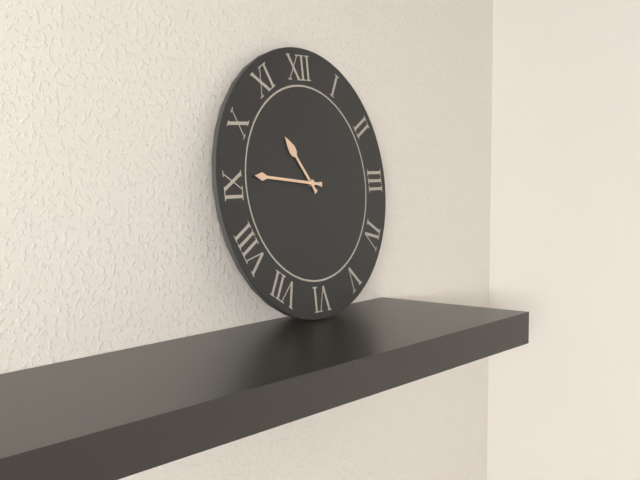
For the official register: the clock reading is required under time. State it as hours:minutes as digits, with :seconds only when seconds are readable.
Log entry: 10:46
